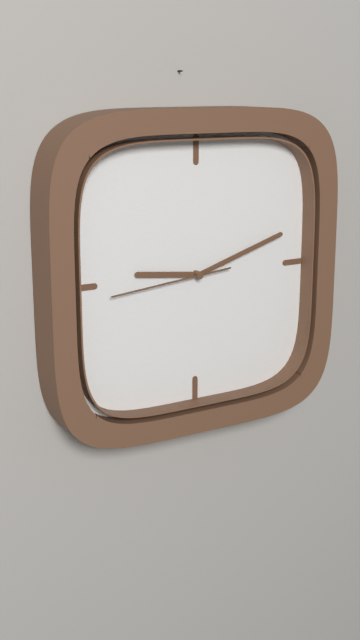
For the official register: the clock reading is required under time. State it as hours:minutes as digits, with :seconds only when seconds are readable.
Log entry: 9:12:44
